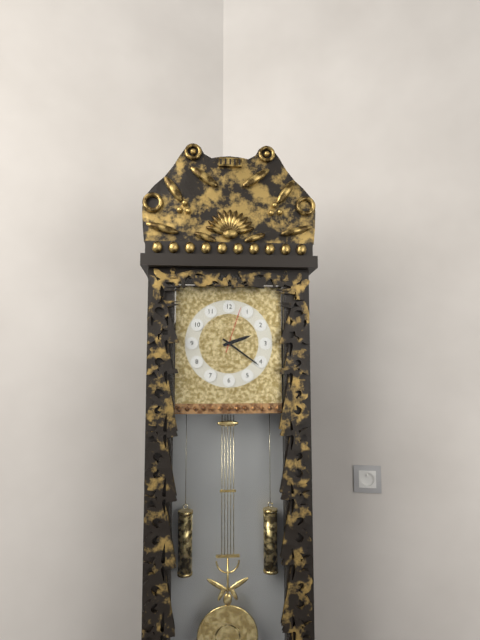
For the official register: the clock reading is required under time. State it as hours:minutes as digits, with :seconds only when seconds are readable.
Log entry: 2:21
